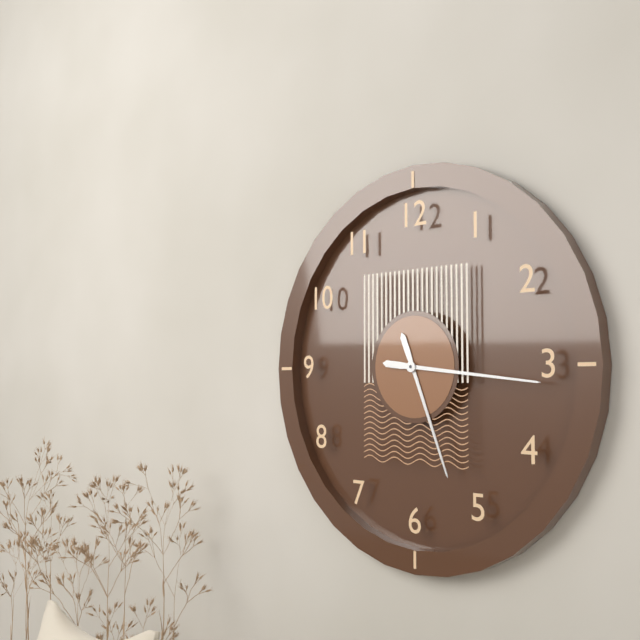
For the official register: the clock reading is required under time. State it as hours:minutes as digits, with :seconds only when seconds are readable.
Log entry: 5:16
